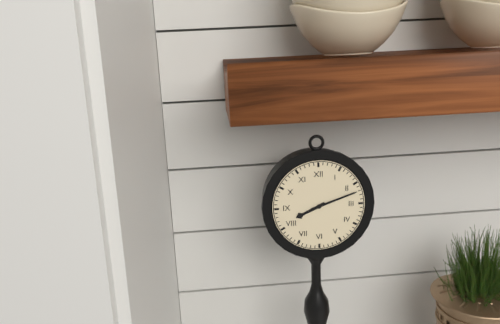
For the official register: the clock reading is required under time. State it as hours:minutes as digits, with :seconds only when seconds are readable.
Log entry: 8:12
